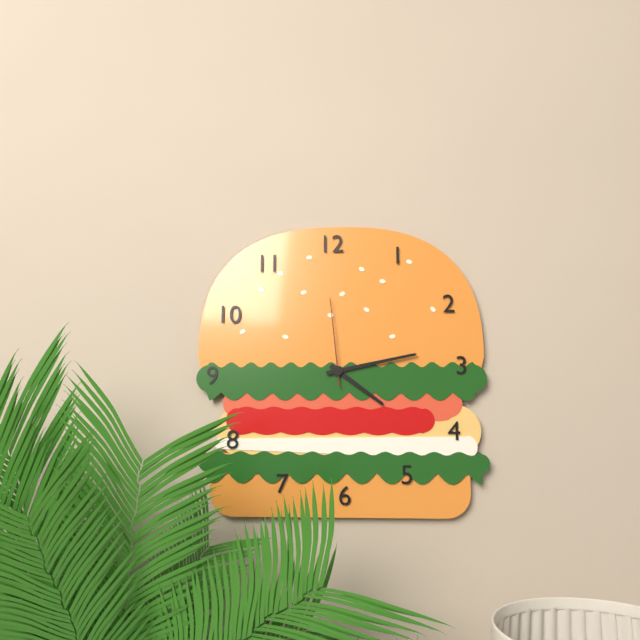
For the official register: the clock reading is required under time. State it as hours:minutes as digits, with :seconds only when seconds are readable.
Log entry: 4:13:59
